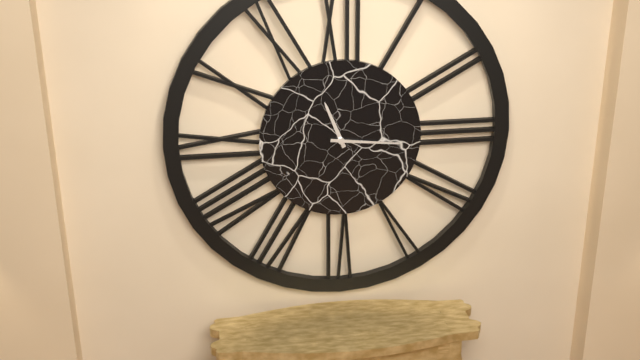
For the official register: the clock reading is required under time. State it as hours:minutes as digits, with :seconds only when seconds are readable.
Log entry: 11:16
